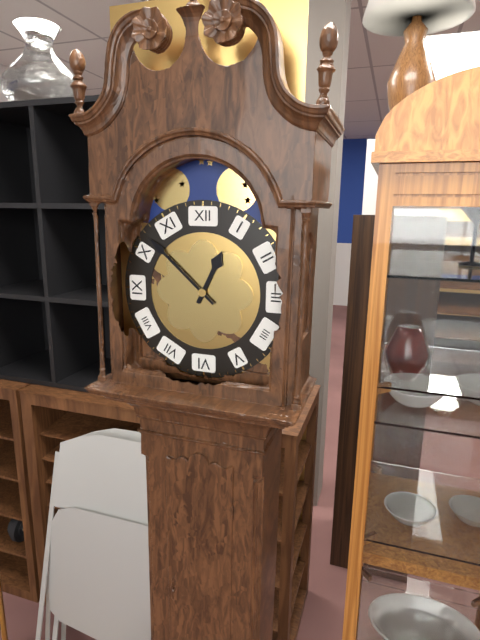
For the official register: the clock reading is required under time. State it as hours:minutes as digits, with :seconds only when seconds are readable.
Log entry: 12:52
